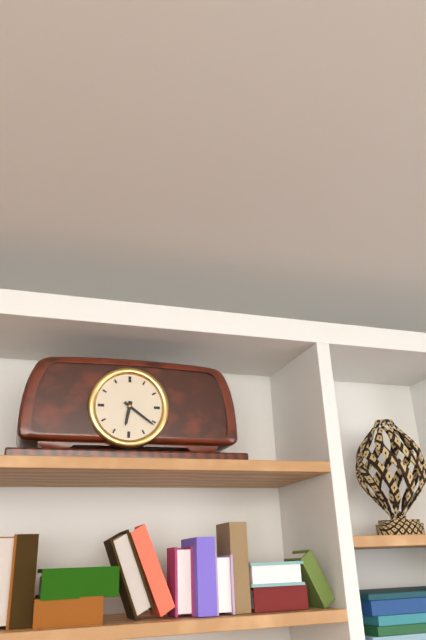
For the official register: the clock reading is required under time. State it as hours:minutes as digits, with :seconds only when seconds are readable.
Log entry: 6:21
